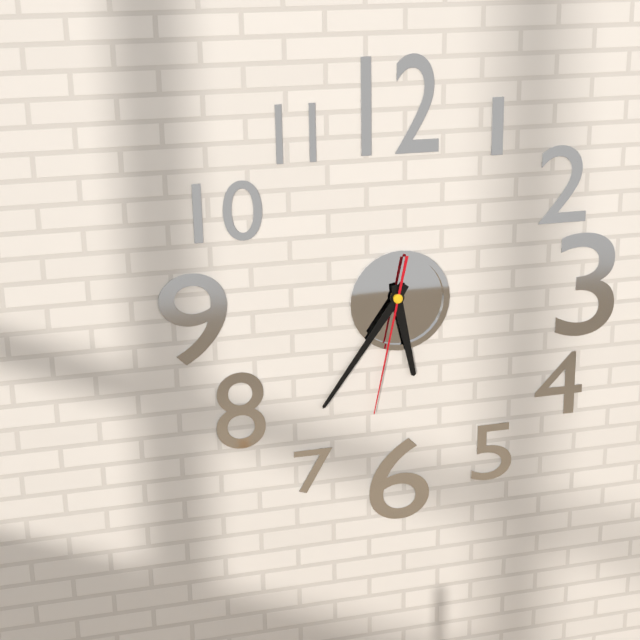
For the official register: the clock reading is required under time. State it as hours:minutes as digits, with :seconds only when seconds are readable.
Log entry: 5:36:32
